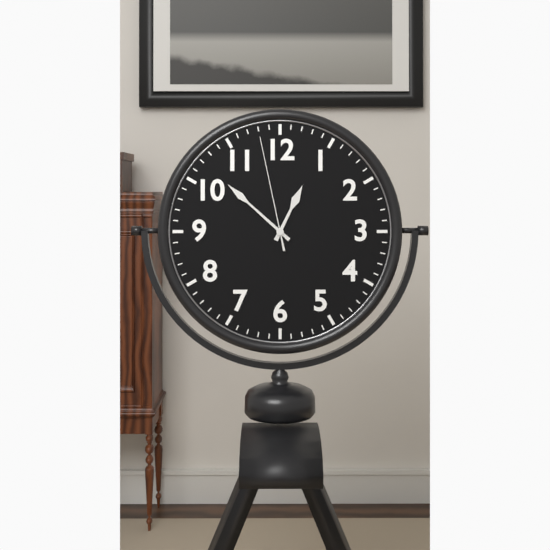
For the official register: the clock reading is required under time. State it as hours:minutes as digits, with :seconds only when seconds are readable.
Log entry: 12:52:58
